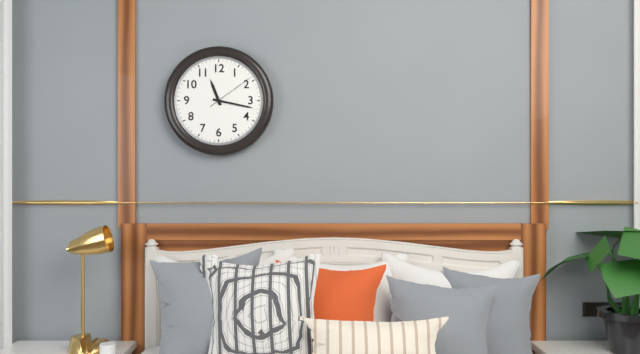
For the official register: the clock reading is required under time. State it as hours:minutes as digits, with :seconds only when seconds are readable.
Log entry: 11:17
